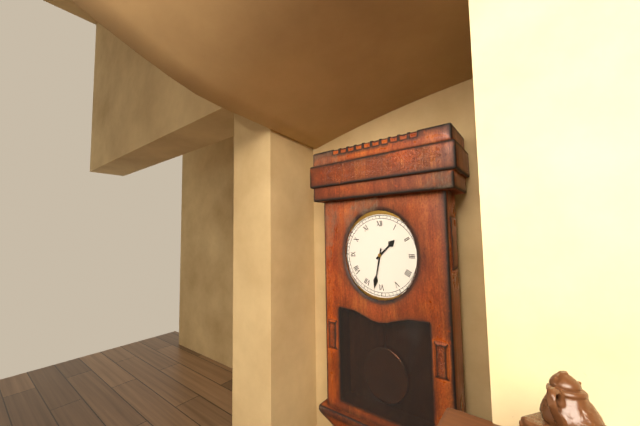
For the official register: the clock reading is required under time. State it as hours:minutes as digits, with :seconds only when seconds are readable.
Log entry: 1:32
